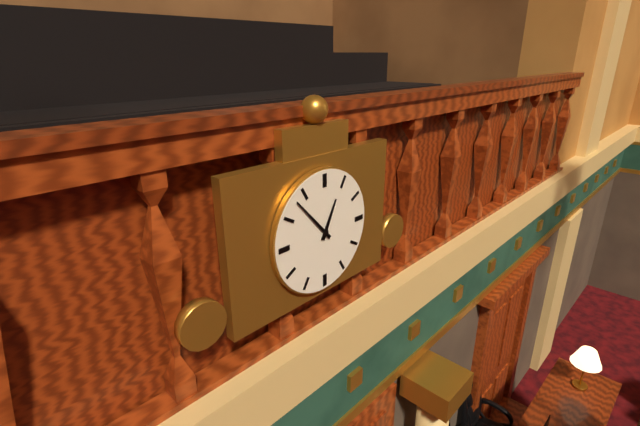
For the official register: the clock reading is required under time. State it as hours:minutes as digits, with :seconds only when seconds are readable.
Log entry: 12:53
